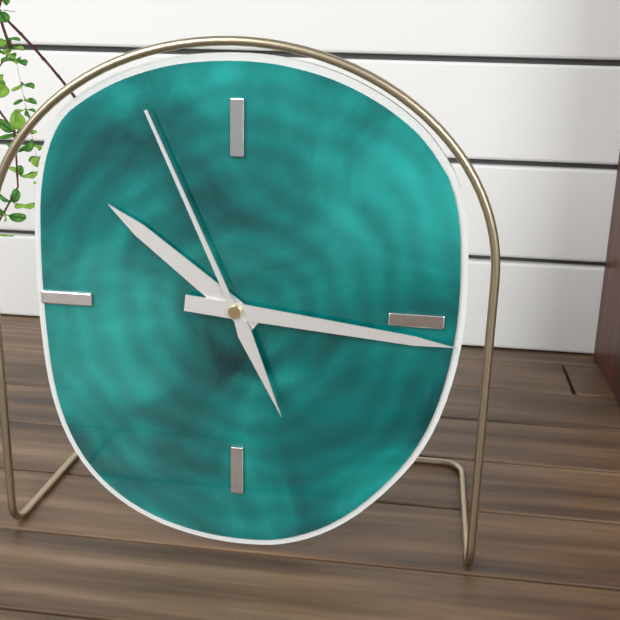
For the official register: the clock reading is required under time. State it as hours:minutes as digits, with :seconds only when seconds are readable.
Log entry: 10:16:56
